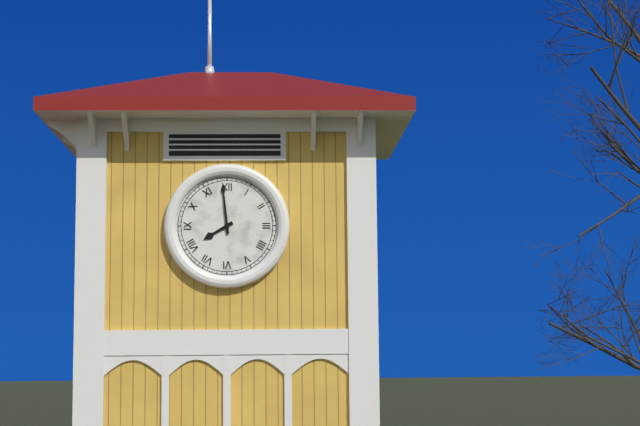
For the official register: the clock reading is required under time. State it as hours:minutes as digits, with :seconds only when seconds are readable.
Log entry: 7:59
